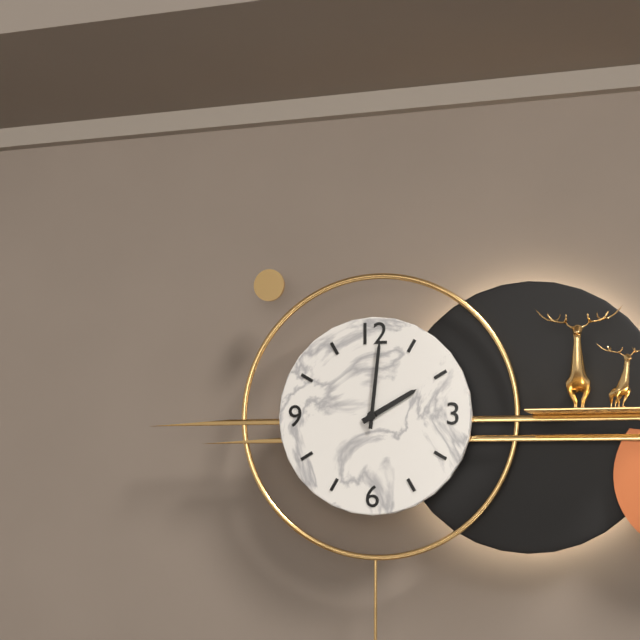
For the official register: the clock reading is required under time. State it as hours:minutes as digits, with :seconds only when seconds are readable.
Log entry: 2:01
